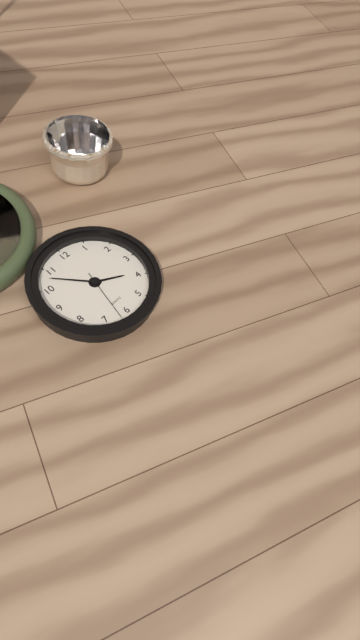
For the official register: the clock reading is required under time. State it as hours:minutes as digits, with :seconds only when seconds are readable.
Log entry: 3:53:32
